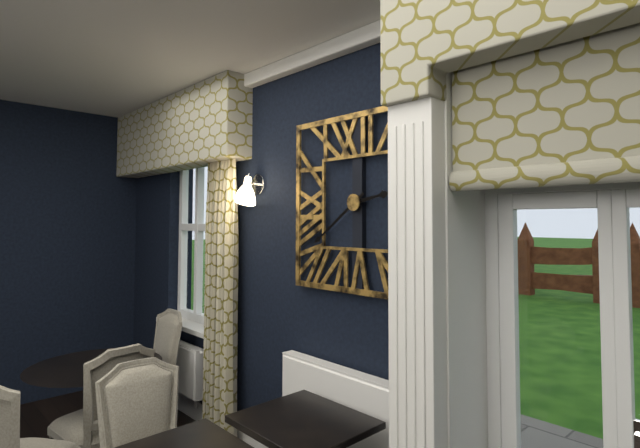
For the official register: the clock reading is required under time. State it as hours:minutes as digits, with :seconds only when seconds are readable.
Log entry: 2:39
